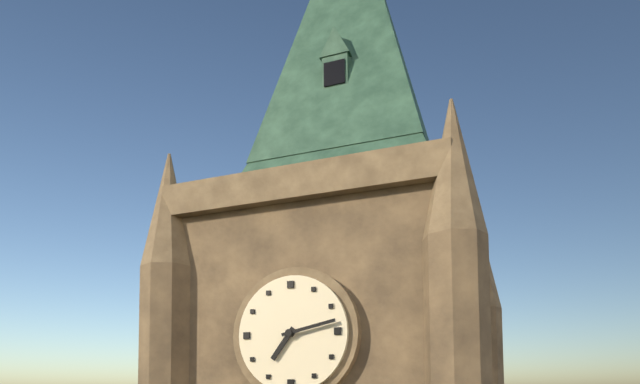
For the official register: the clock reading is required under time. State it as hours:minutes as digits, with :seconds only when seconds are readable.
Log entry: 7:13
